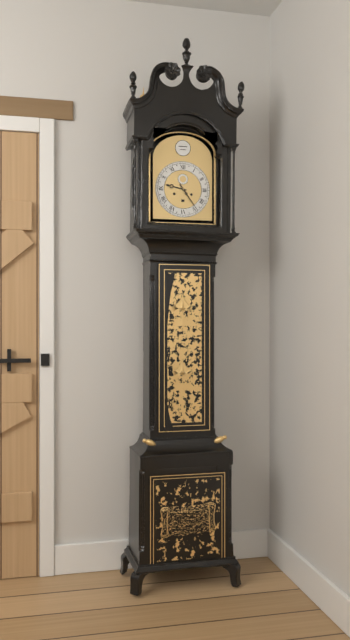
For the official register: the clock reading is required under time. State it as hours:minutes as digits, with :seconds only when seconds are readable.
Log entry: 9:24
